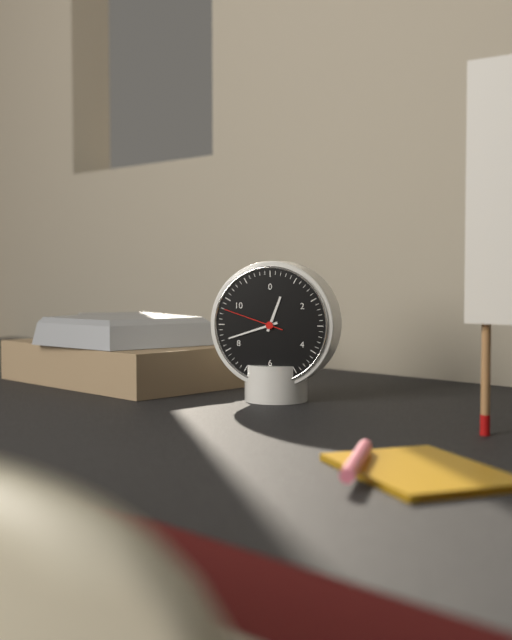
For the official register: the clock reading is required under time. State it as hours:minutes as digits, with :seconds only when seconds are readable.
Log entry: 12:42:48
